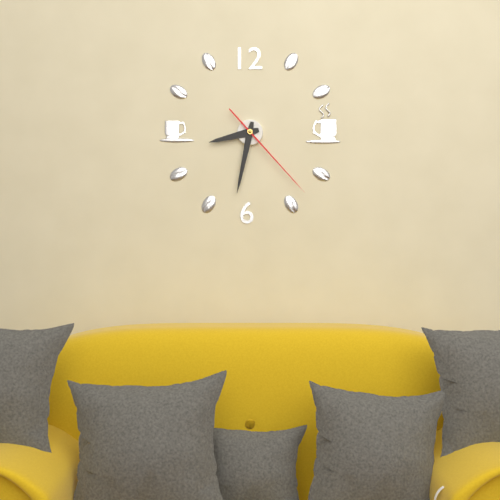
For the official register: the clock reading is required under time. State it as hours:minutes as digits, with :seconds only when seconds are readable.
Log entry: 8:32:23
